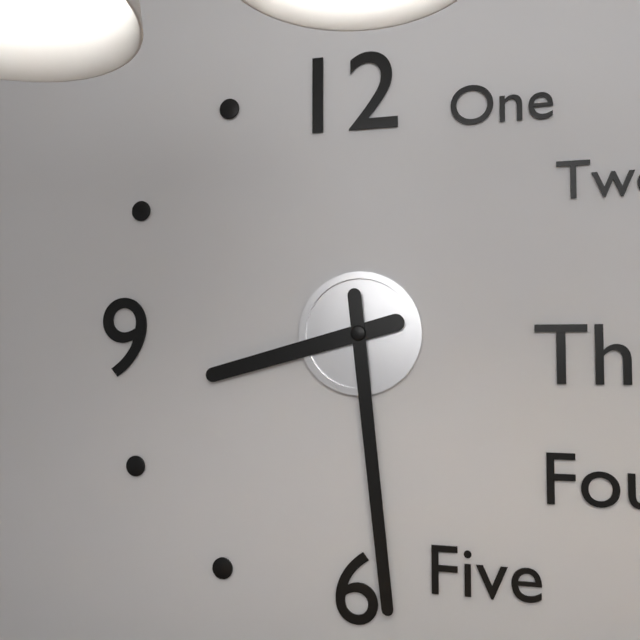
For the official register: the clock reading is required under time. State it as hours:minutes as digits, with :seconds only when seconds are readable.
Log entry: 8:29
